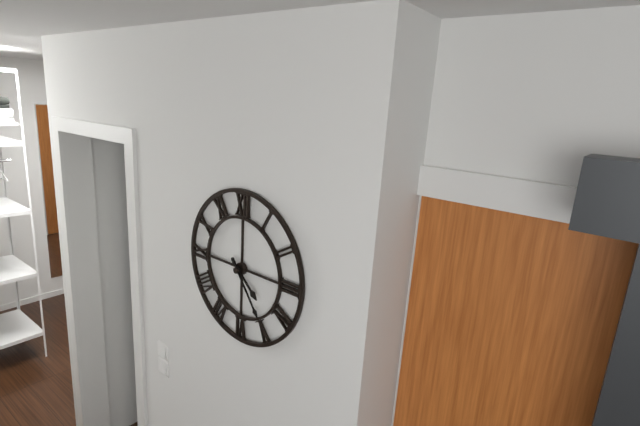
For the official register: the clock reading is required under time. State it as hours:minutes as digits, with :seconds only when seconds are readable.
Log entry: 4:24
